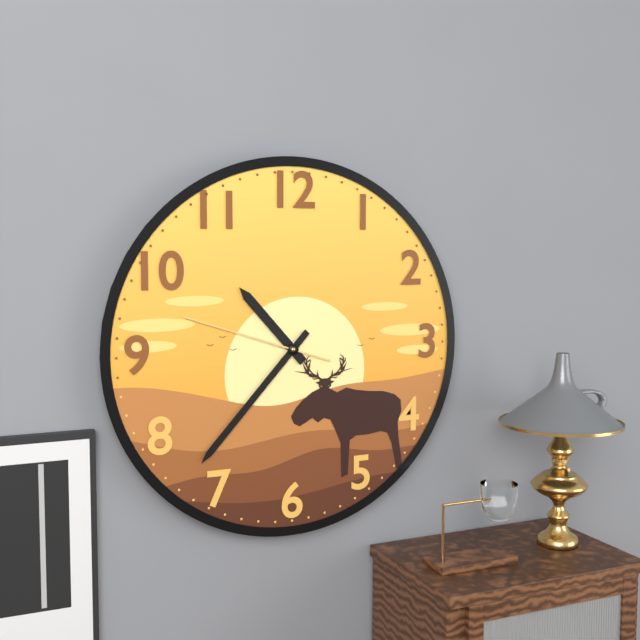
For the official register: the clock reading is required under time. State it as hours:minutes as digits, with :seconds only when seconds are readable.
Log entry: 10:37:48
